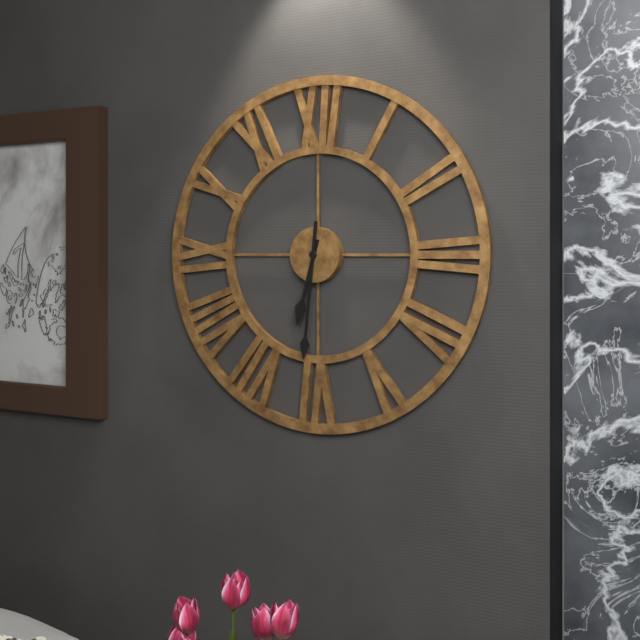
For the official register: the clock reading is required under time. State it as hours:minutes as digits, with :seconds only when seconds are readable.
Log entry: 6:31
